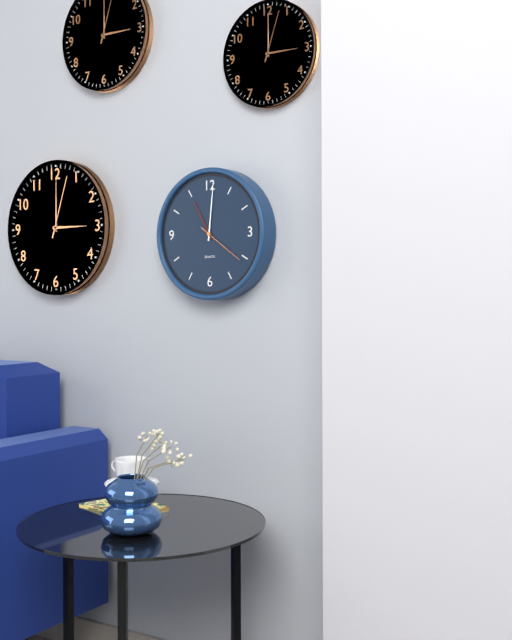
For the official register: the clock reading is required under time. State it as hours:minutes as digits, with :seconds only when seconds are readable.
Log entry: 11:01:21
